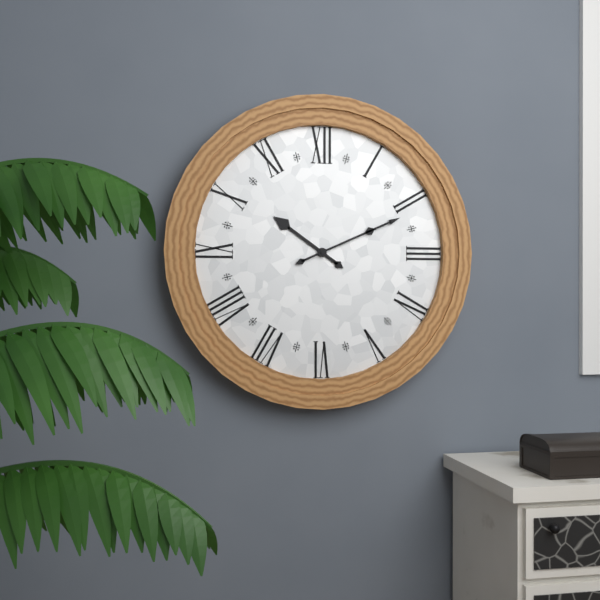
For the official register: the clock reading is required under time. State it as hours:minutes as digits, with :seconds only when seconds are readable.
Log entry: 10:11
